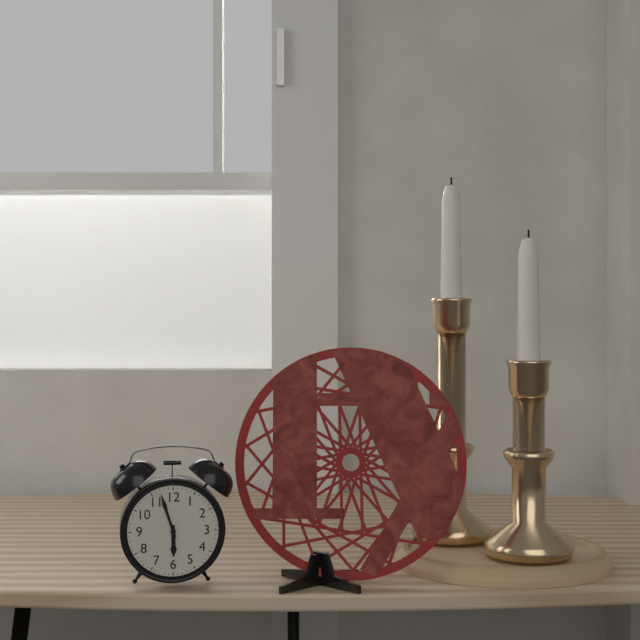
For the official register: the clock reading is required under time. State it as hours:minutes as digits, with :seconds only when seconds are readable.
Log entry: 5:57
